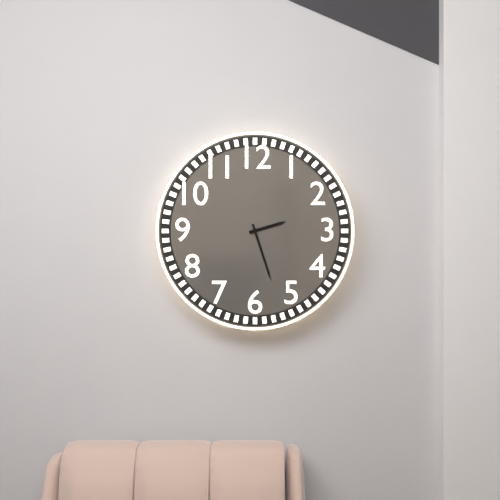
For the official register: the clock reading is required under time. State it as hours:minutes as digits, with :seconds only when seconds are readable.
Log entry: 2:27
